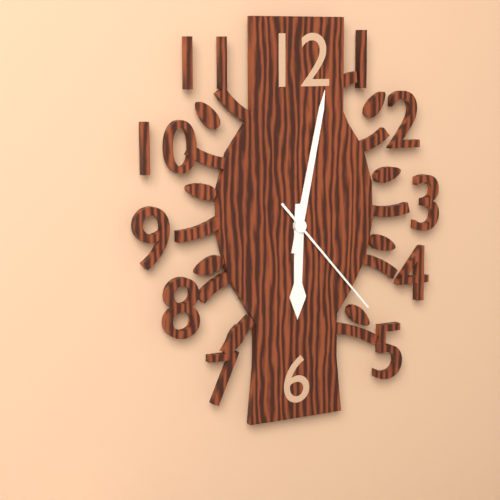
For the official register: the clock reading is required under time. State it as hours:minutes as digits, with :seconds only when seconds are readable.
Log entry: 6:02:23
